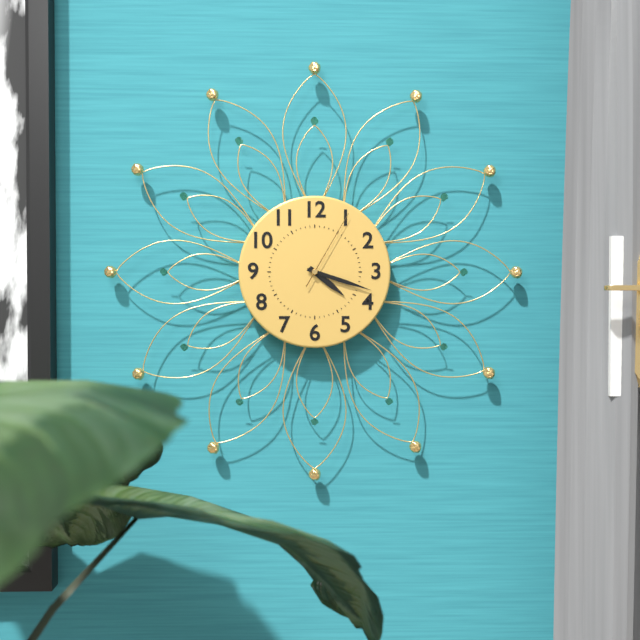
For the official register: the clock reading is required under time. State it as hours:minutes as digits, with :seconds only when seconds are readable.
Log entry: 4:18:05
